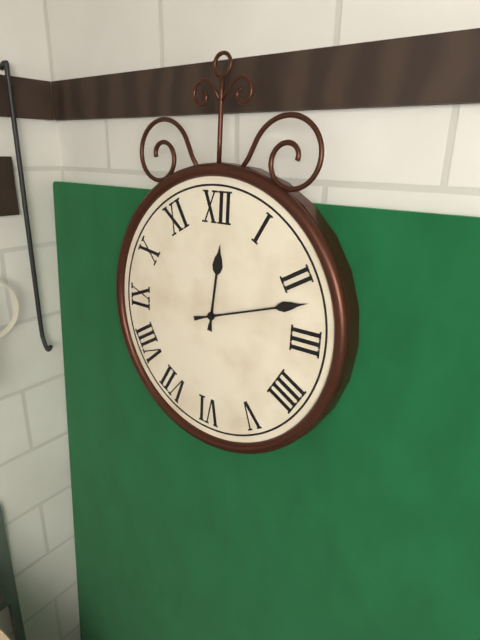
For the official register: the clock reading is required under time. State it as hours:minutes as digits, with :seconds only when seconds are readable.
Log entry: 12:12
